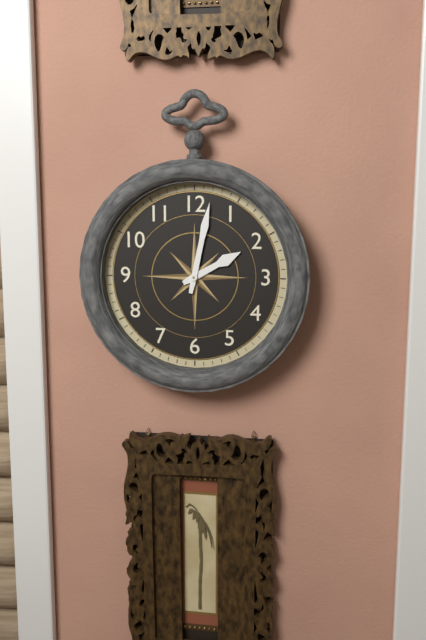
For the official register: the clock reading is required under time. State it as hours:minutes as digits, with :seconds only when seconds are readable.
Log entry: 2:02
